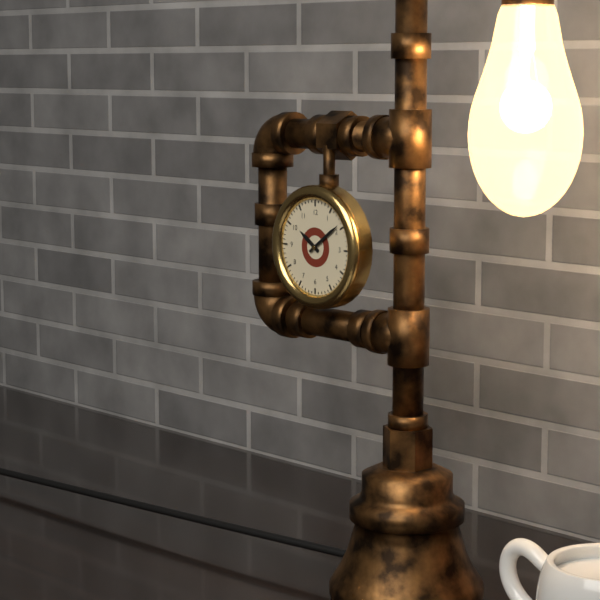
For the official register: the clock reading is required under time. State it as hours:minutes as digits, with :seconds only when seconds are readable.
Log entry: 10:09
